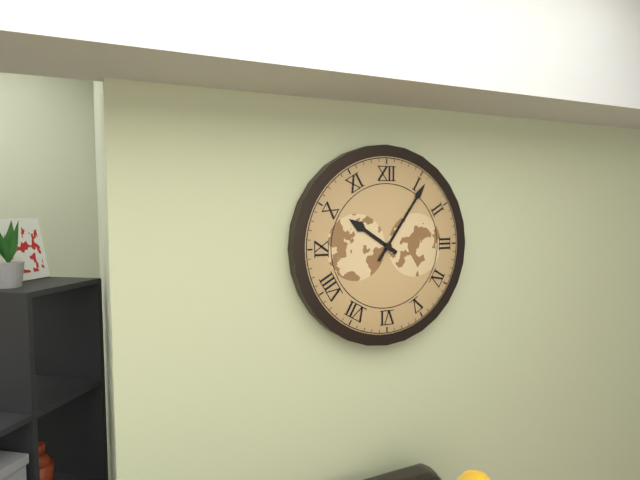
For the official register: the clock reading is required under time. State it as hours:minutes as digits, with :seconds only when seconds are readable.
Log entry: 10:06
